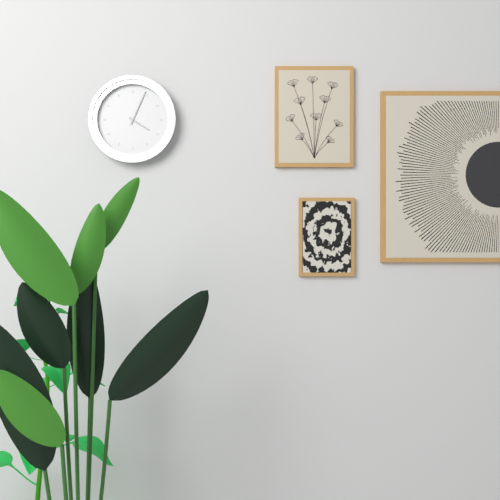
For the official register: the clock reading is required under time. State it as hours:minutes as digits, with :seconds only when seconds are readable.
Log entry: 4:04
